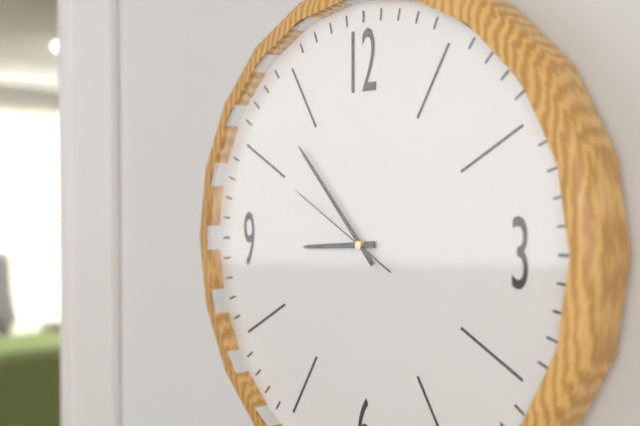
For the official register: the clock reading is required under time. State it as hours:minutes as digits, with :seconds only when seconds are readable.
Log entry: 8:53:50
